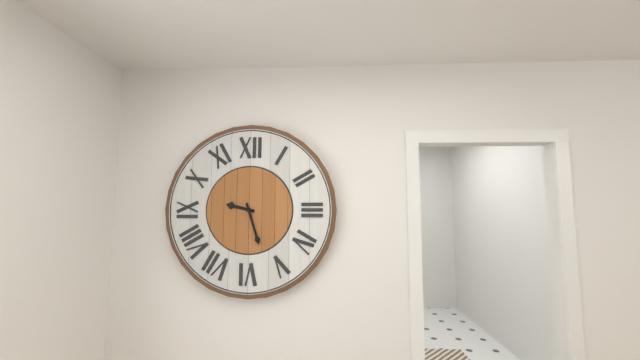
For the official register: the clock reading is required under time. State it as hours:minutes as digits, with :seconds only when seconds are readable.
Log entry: 9:27
